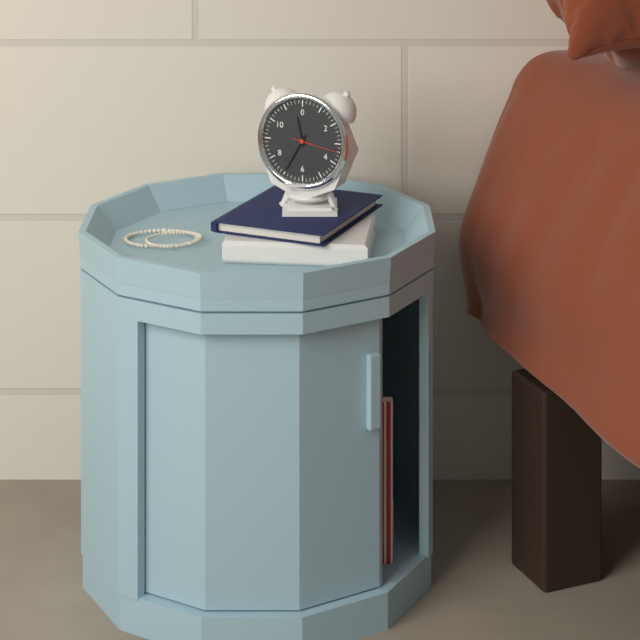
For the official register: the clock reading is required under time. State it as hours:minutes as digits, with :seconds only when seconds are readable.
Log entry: 11:35
